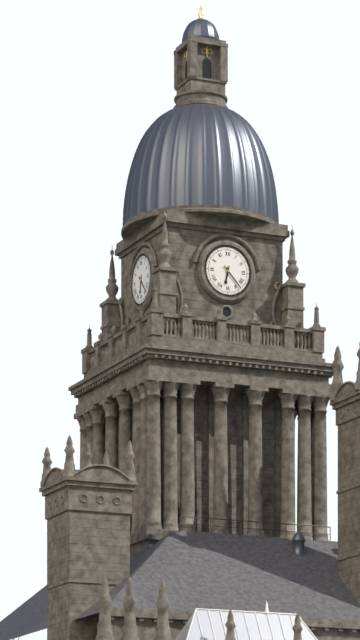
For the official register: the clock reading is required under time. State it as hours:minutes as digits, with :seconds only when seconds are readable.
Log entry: 6:23
